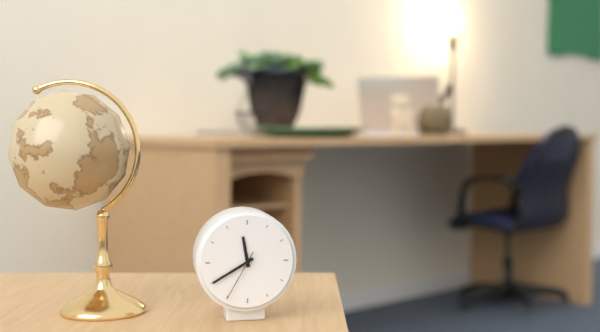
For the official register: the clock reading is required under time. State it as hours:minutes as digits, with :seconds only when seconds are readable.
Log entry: 11:40:35
